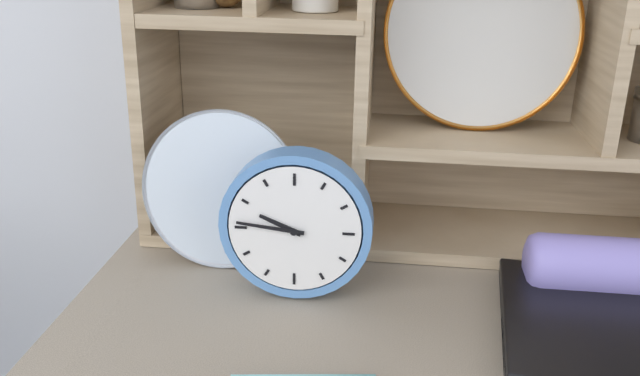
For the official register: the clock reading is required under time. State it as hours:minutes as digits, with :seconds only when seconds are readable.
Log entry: 9:46
